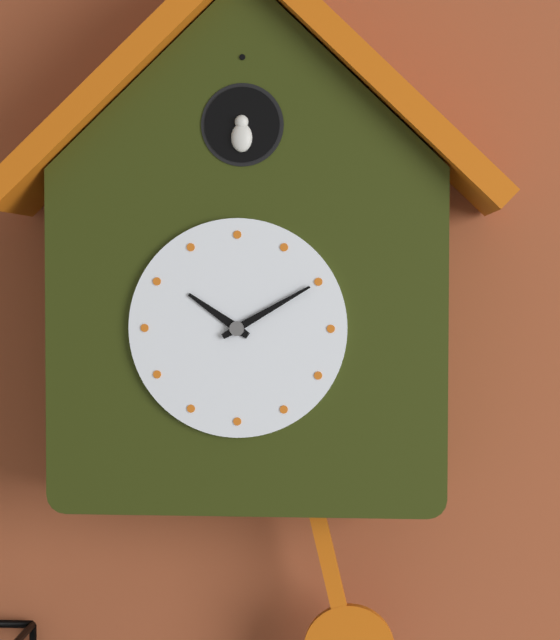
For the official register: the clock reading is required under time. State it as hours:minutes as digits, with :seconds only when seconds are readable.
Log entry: 10:10
